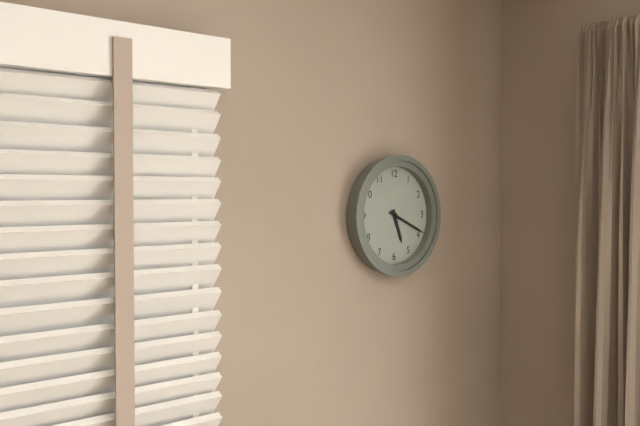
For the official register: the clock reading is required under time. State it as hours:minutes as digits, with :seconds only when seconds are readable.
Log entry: 5:19
